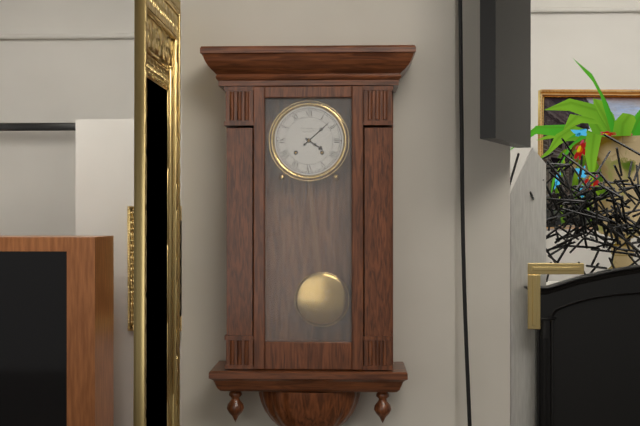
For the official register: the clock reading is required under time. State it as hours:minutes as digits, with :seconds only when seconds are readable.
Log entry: 4:08
